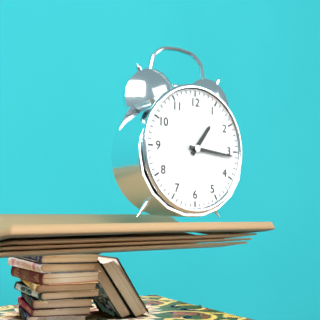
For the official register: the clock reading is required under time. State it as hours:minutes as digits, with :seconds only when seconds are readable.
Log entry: 1:16
